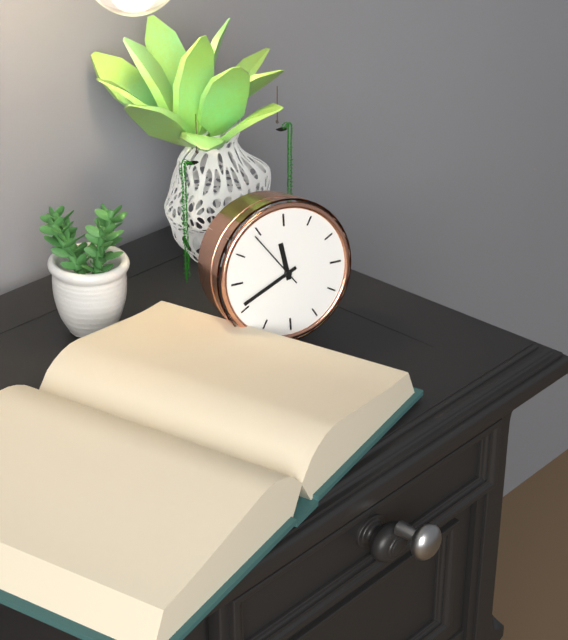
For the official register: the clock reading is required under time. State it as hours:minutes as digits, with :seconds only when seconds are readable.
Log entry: 11:41:54
